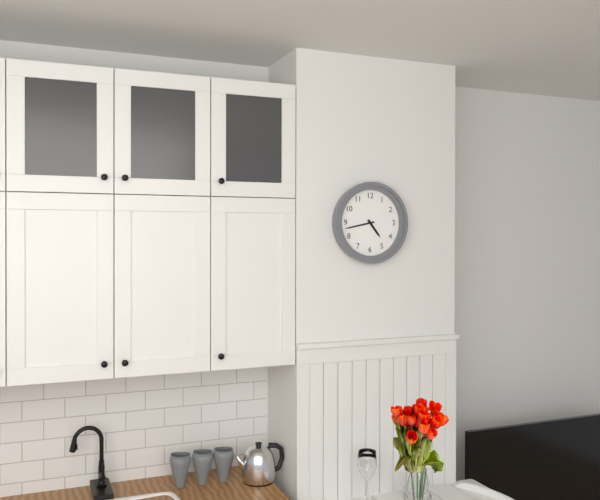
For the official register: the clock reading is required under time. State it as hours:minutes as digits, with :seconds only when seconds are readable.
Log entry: 4:43
